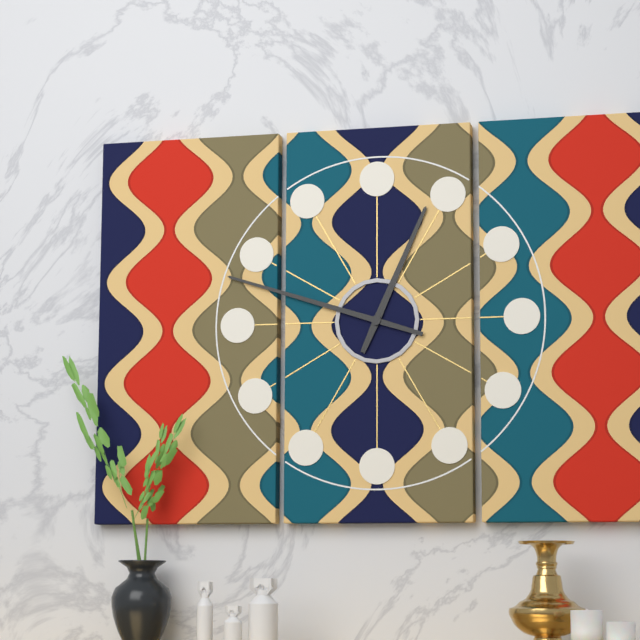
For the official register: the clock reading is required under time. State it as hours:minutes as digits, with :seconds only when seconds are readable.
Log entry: 12:48
